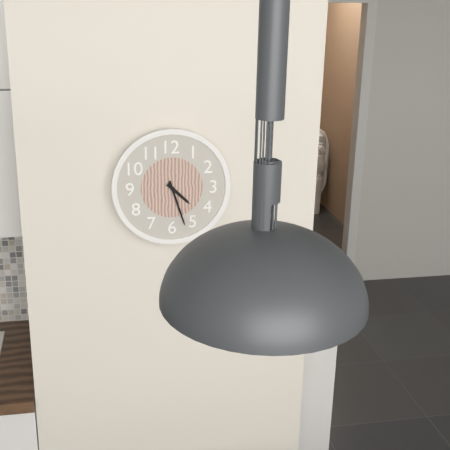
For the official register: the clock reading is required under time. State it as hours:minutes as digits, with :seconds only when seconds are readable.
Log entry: 4:27
